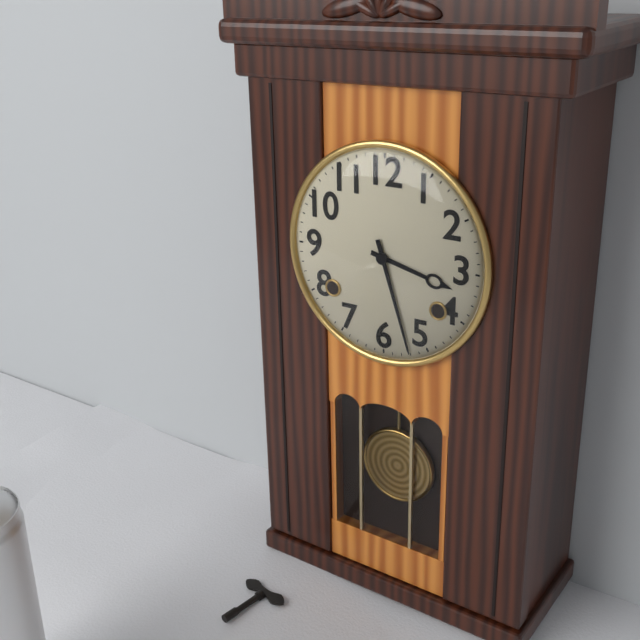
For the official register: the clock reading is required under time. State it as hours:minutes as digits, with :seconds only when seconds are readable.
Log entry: 3:27
